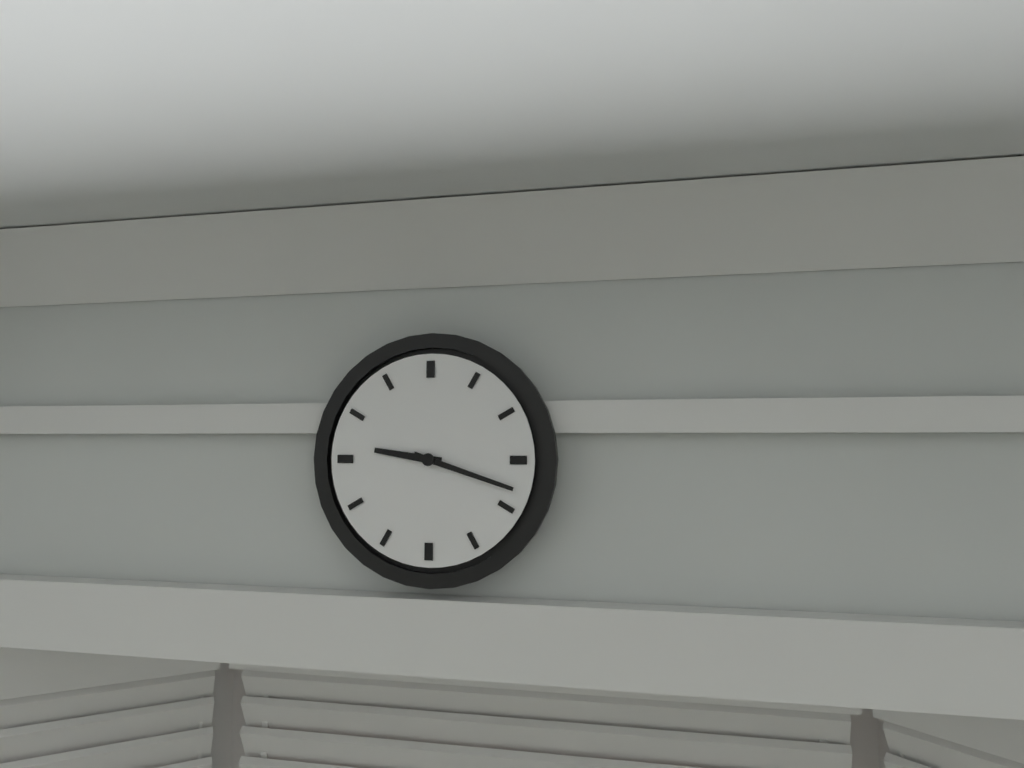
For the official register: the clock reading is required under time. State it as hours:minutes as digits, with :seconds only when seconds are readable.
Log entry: 9:18
